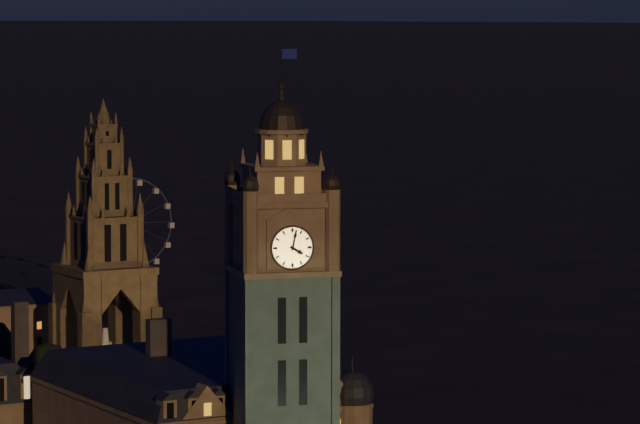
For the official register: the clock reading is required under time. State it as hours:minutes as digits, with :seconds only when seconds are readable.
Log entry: 4:02
